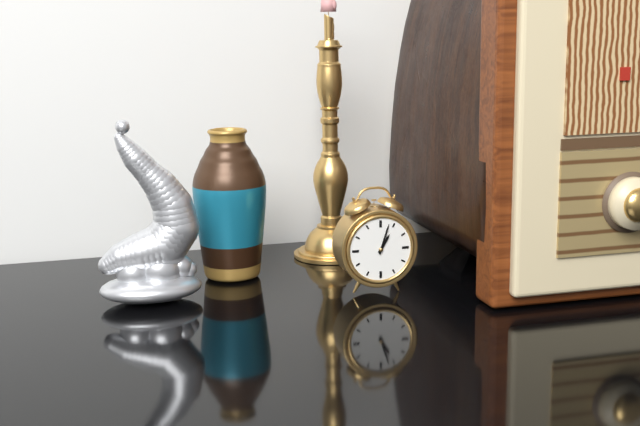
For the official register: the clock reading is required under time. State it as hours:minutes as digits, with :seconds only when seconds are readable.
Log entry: 1:03
